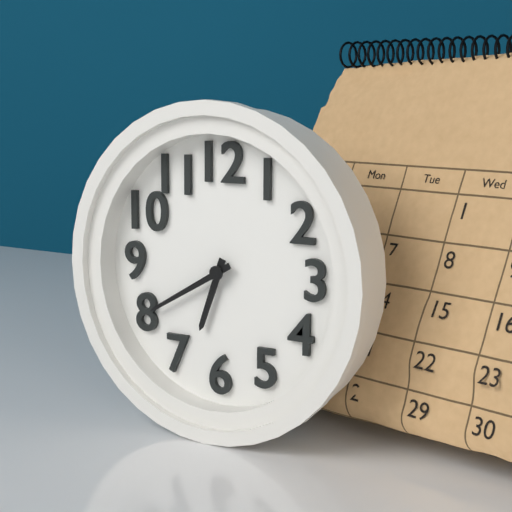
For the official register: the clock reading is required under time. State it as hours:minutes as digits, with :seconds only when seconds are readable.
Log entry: 6:40
